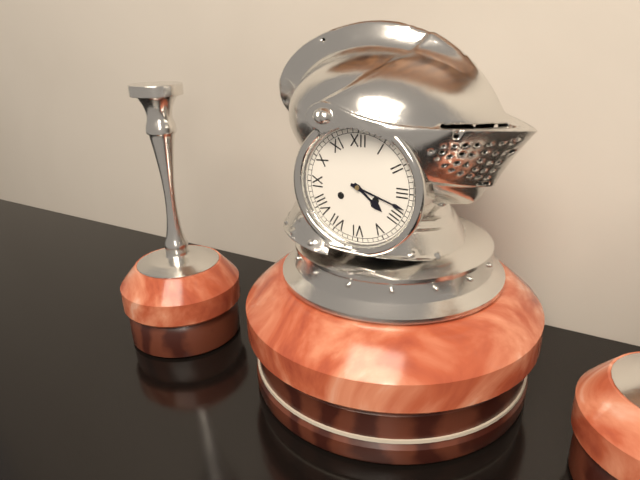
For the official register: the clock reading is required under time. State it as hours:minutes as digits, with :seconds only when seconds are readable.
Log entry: 4:18
